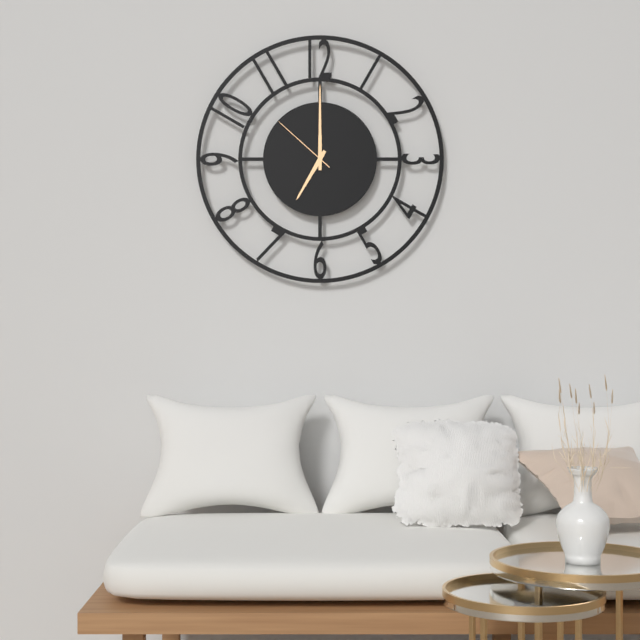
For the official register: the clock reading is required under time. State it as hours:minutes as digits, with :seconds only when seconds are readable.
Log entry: 7:00:52
